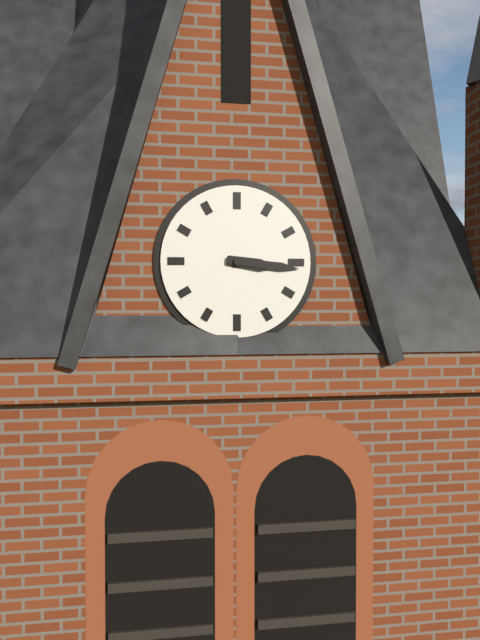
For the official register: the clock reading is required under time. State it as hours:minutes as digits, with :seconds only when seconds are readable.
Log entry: 3:16
